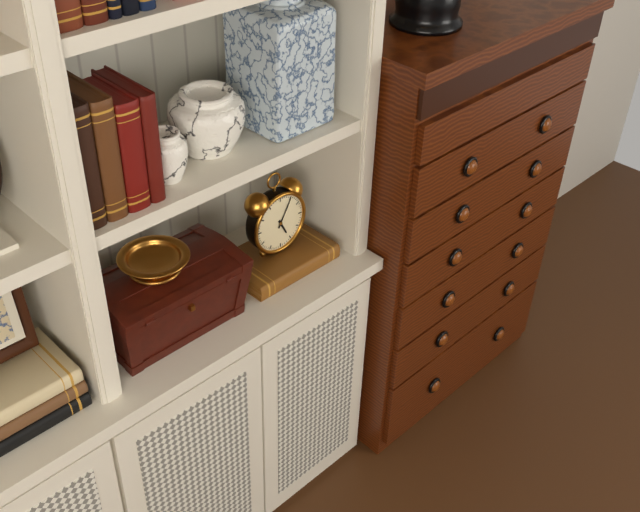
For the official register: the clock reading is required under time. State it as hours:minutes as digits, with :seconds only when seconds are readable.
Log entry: 5:05
